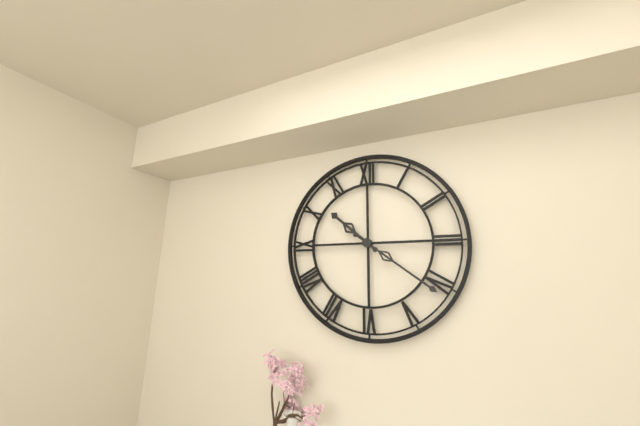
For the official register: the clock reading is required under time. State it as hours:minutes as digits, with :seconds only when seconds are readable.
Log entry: 10:21
